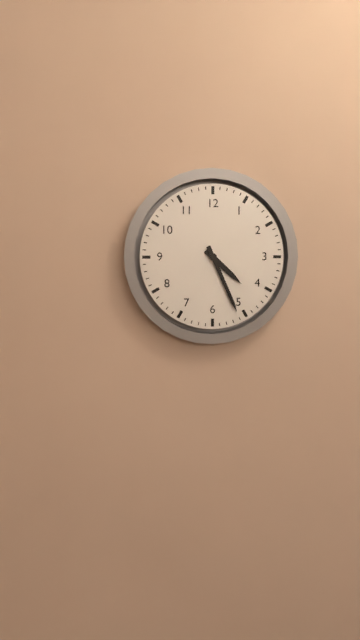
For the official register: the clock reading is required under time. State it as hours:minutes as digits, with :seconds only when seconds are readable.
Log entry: 4:26
